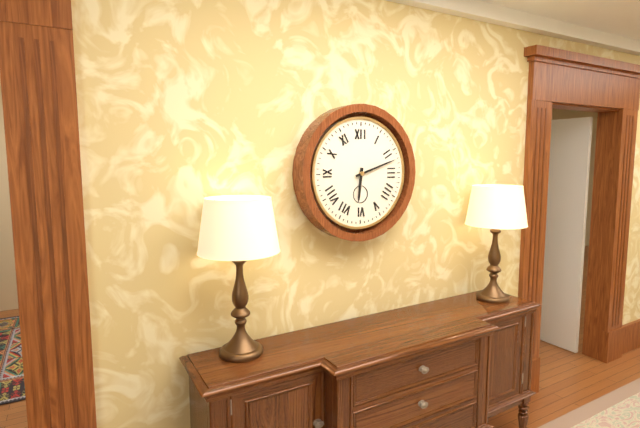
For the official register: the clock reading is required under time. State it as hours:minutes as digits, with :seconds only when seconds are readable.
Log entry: 6:12
